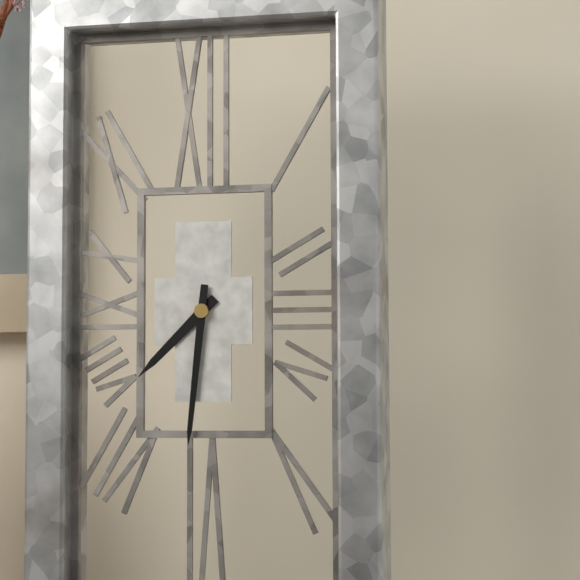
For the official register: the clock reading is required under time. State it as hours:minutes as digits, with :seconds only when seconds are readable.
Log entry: 7:31
